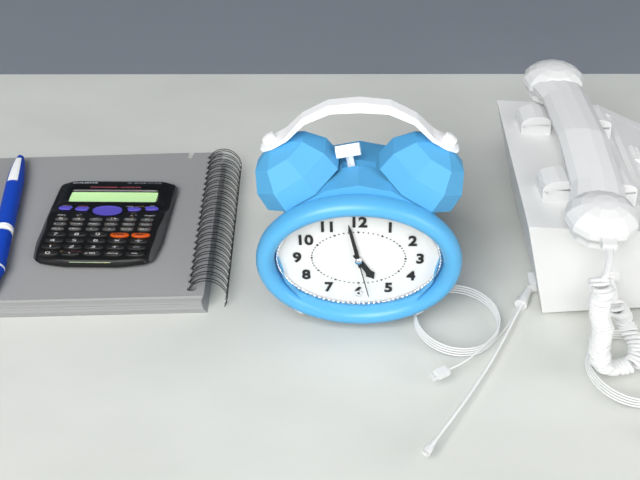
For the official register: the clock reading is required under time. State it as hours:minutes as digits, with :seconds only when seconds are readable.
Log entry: 4:58
